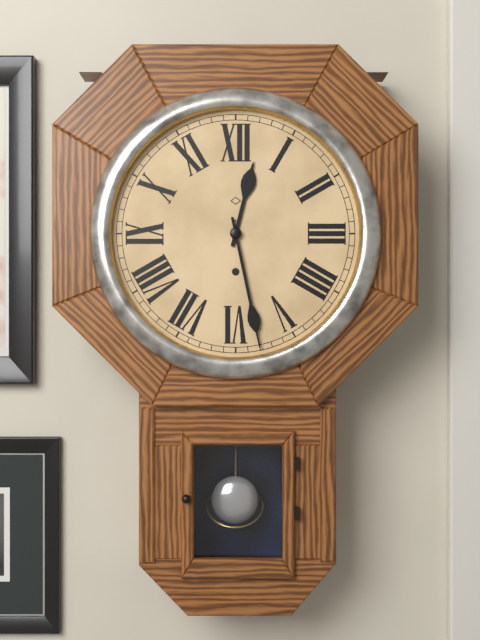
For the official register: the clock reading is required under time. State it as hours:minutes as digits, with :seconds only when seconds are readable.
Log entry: 12:28
